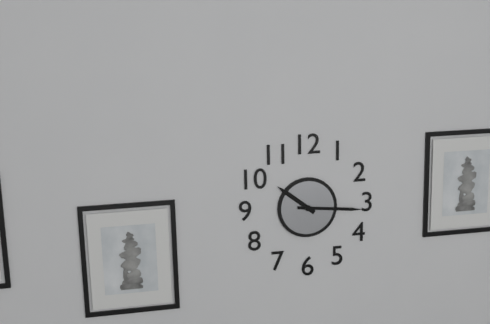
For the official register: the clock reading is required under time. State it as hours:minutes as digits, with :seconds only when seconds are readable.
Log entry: 10:16
